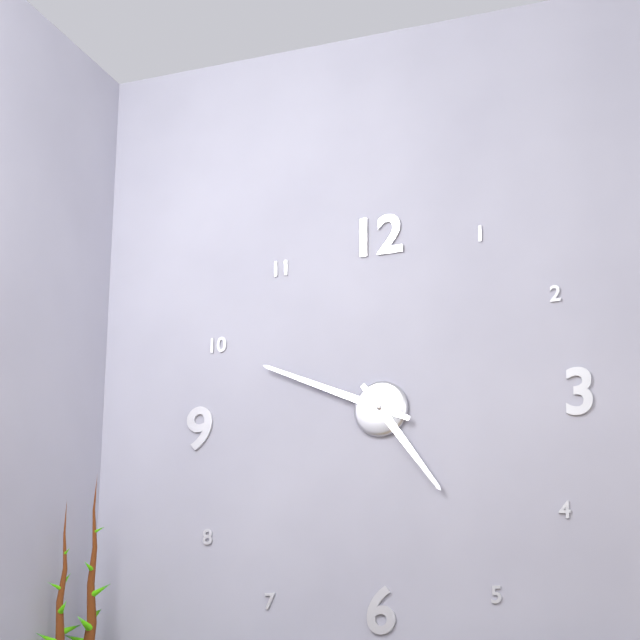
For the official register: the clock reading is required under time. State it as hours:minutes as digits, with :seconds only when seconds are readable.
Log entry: 4:49
